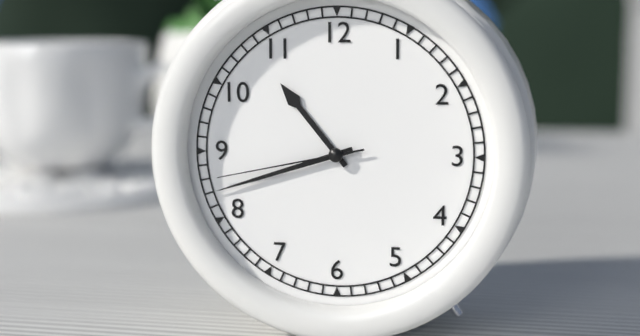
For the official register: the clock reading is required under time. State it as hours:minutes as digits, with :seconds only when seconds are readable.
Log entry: 10:42:43
